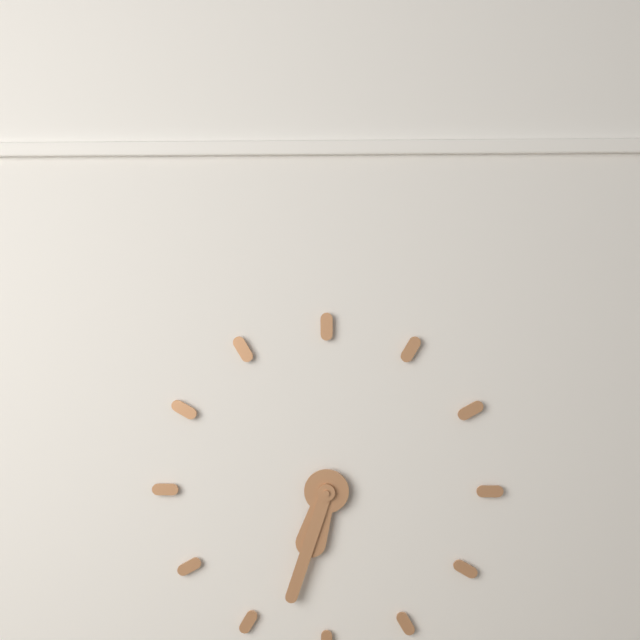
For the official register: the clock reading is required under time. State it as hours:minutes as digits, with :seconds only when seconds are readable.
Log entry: 6:33
